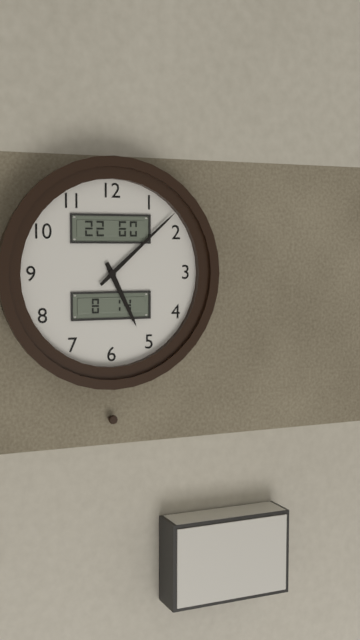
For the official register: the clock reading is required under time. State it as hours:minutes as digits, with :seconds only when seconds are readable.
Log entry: 5:08
